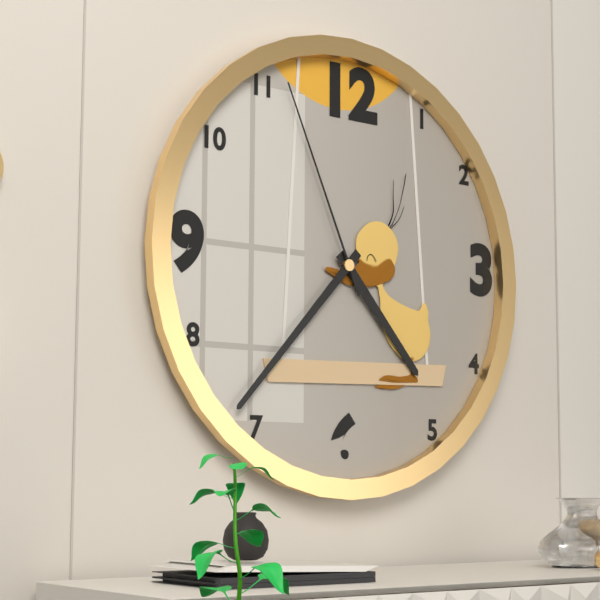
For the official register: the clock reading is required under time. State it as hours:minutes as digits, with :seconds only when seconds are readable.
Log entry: 4:37:56
